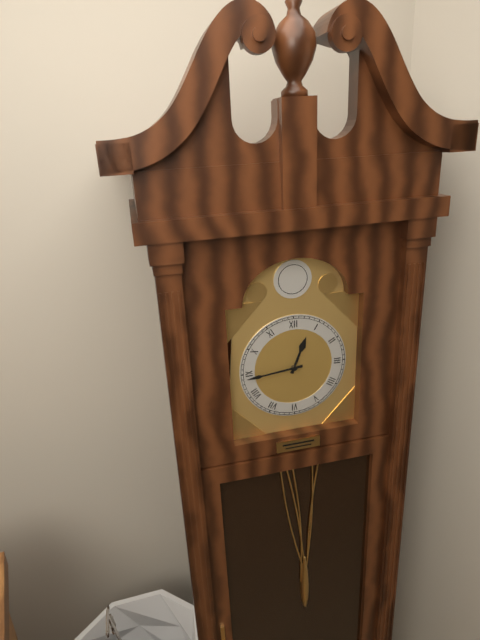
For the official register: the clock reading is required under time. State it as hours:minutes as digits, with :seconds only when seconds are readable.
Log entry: 12:44
